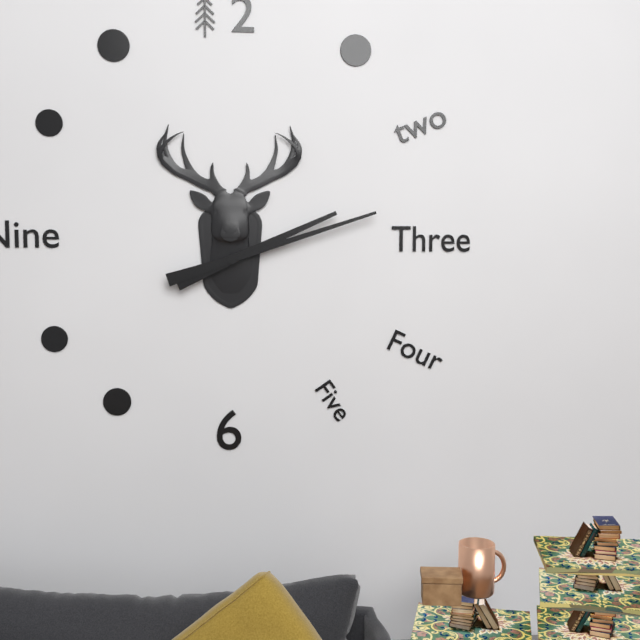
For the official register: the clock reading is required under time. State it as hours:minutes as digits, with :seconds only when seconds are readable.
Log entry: 2:12
